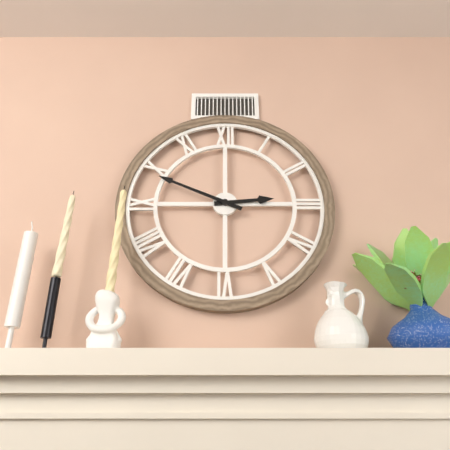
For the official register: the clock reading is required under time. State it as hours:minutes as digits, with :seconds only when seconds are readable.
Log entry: 2:49
